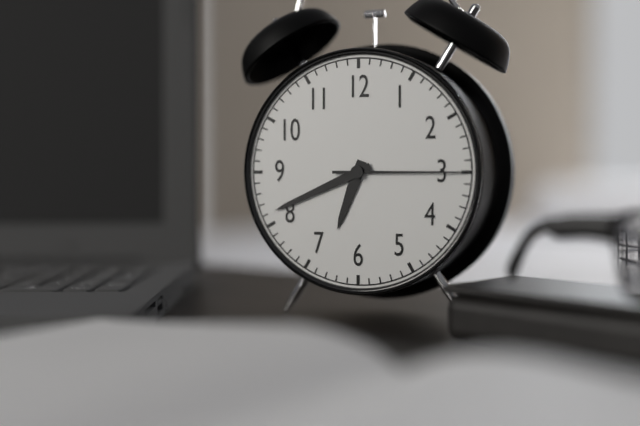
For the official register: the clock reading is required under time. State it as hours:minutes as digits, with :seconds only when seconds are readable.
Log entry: 6:41:15
